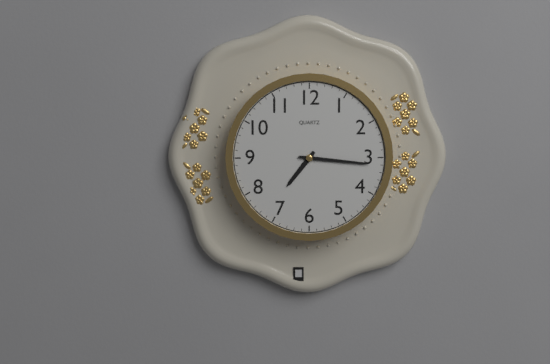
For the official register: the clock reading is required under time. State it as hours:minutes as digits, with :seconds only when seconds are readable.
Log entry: 7:16
